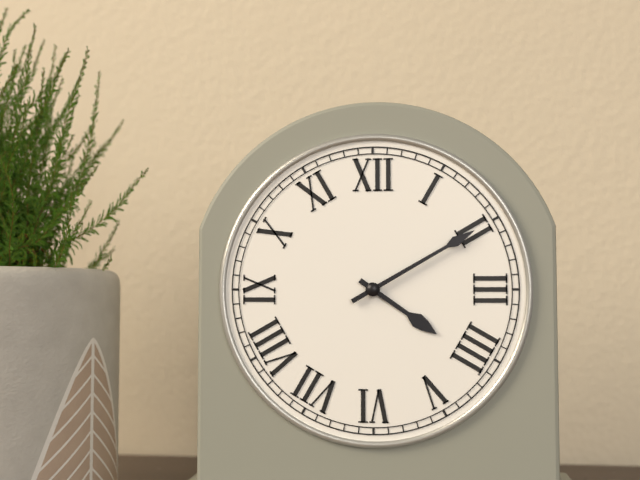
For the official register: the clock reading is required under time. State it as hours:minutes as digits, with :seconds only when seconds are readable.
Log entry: 4:10
